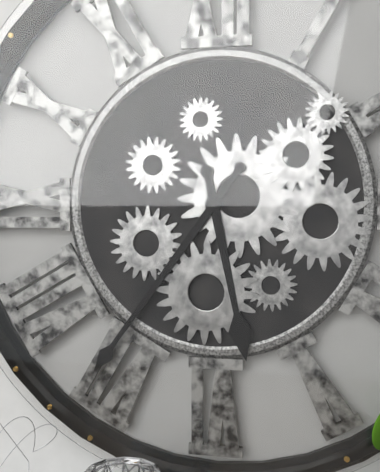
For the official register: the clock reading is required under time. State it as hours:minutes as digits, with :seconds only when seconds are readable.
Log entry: 5:36
